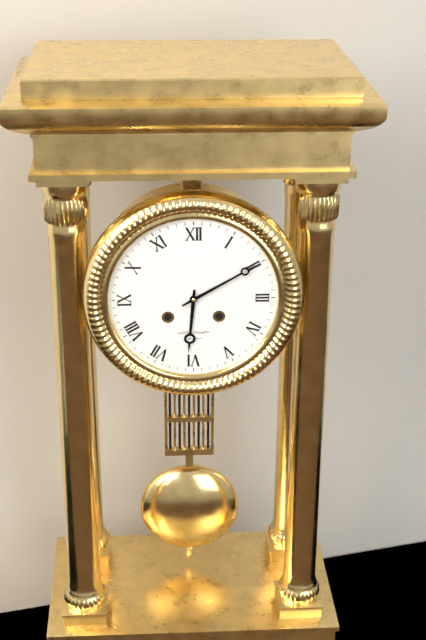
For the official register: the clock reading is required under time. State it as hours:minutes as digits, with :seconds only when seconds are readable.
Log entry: 6:10
